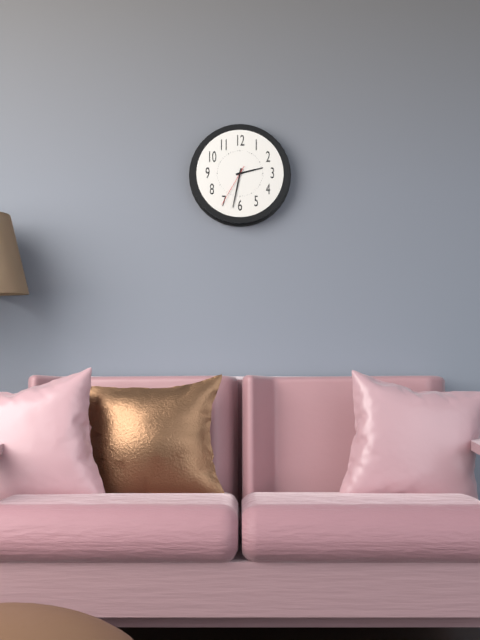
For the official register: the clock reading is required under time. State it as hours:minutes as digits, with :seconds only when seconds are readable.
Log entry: 2:32
